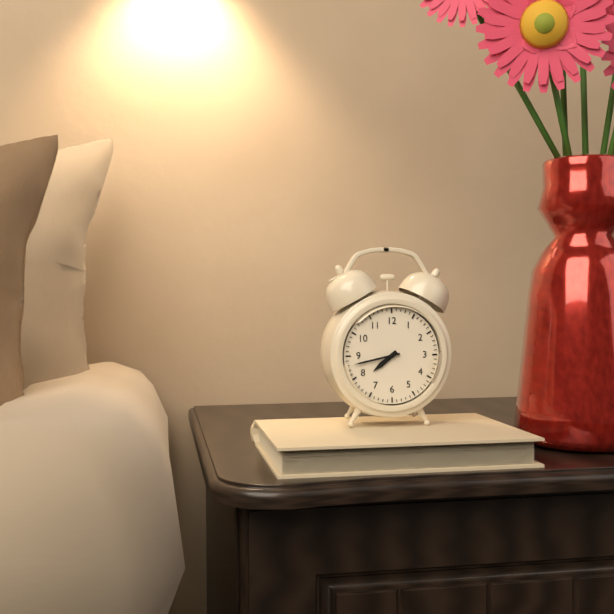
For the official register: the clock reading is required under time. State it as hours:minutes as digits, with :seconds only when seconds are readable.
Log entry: 7:43
